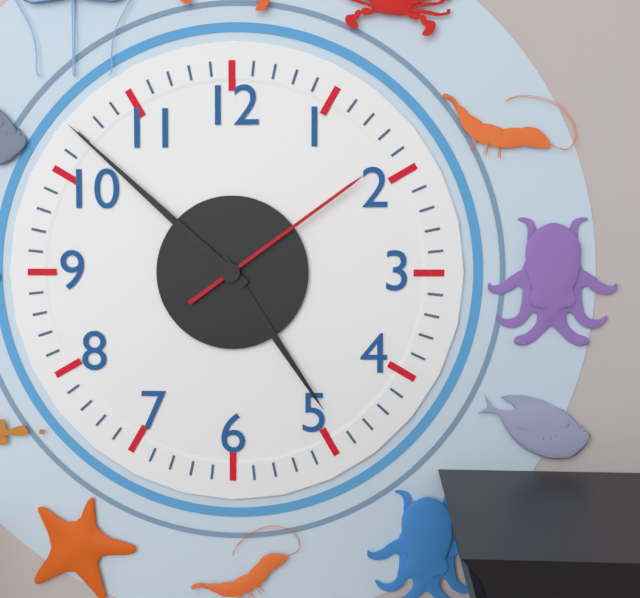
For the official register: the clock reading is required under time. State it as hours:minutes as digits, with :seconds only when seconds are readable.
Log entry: 4:52:09
